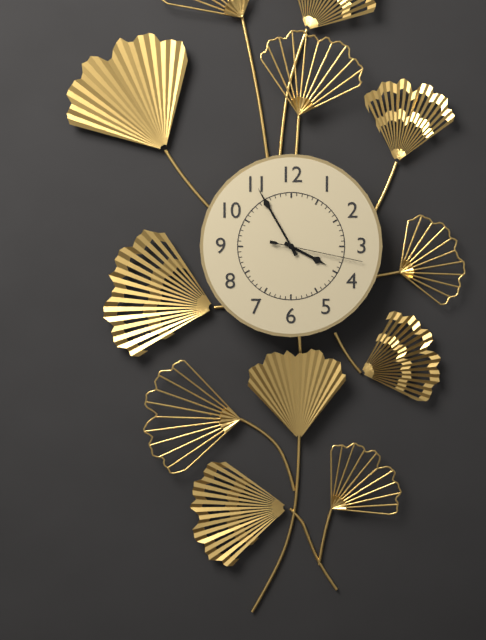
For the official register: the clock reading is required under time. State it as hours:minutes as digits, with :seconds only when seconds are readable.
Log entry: 3:55:17
